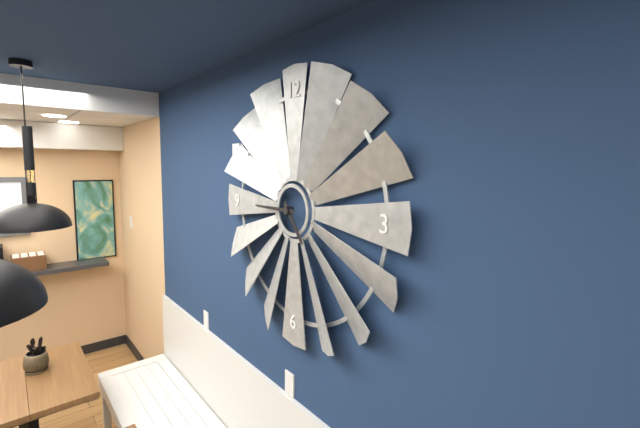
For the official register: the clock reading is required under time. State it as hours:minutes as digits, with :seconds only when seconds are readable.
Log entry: 4:45
